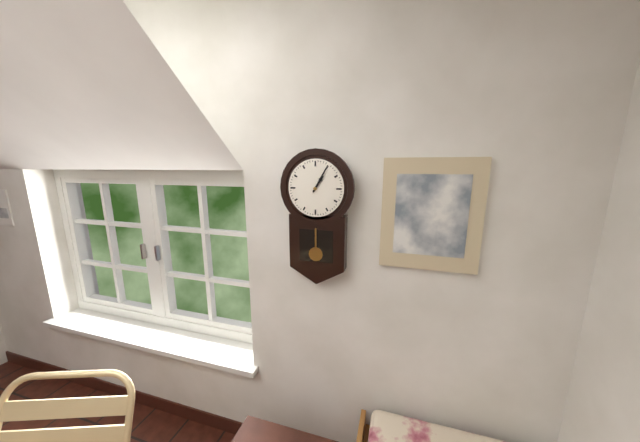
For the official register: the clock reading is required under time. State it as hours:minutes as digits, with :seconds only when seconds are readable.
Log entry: 1:05
